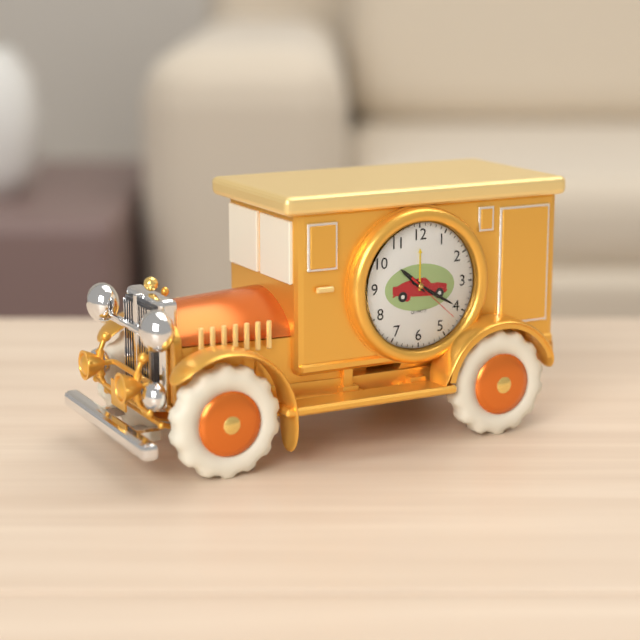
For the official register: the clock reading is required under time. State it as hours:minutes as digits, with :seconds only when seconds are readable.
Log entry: 10:20:22
